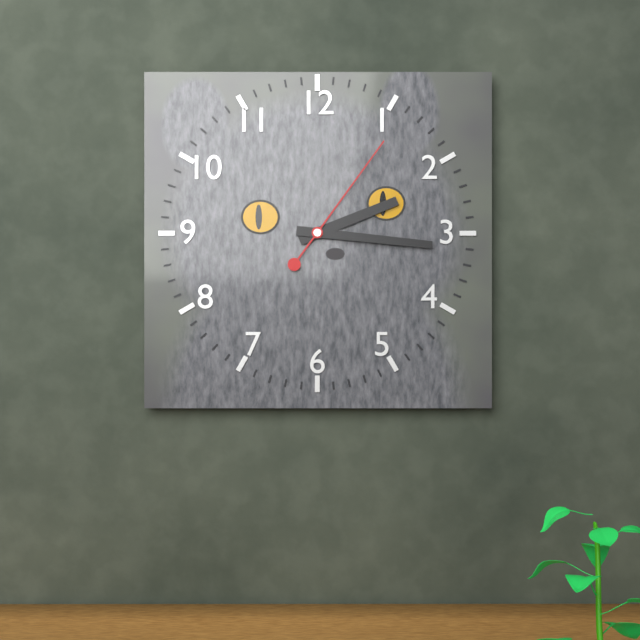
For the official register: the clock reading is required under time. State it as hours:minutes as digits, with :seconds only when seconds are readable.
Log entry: 2:16:06
